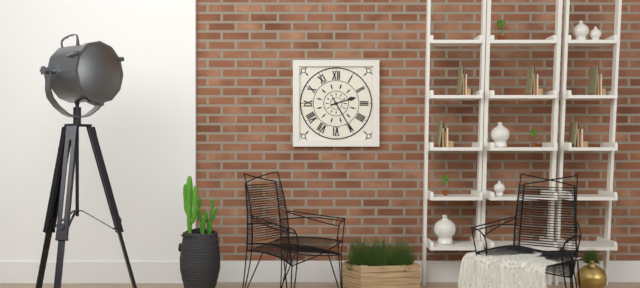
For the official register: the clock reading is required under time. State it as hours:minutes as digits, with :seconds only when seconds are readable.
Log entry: 2:25
